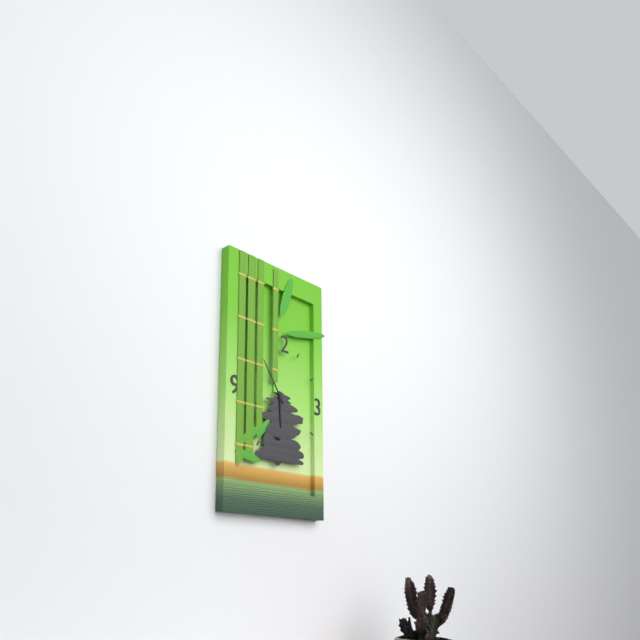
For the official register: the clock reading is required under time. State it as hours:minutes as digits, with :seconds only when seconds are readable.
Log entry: 5:54
